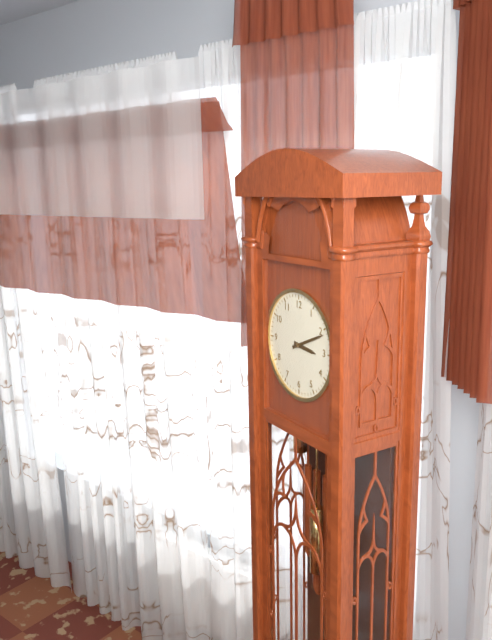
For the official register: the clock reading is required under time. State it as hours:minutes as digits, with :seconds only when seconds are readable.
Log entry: 3:11
